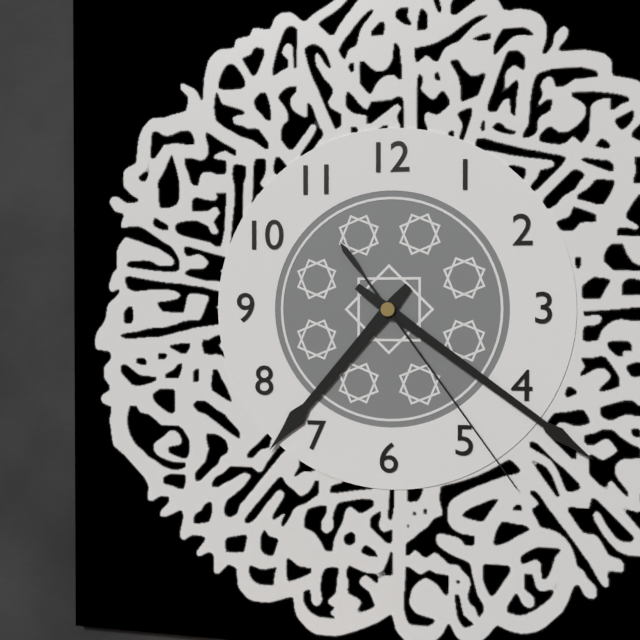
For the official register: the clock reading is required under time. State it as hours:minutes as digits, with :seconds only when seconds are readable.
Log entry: 7:21:24
